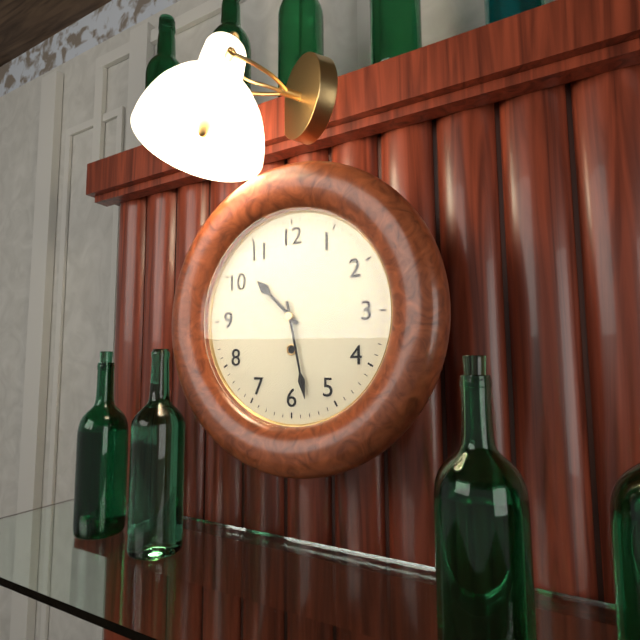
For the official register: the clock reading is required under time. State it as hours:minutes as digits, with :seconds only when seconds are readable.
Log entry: 10:28
